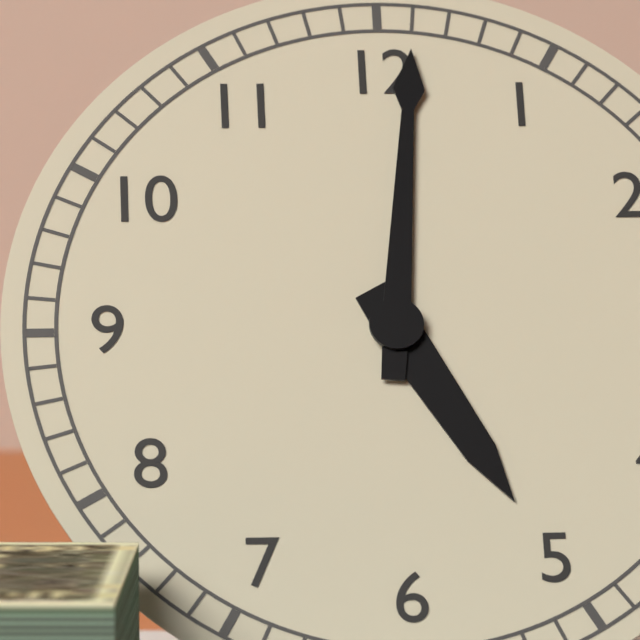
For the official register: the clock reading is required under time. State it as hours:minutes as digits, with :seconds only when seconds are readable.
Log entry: 5:01
